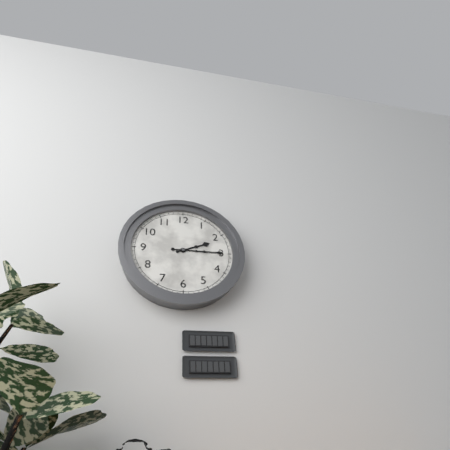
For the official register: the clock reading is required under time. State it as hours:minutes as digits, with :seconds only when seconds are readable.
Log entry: 2:15
